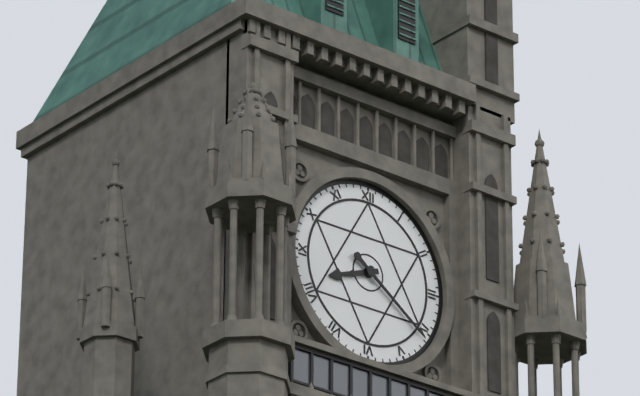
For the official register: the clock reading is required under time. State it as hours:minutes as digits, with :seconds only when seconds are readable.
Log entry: 8:21
